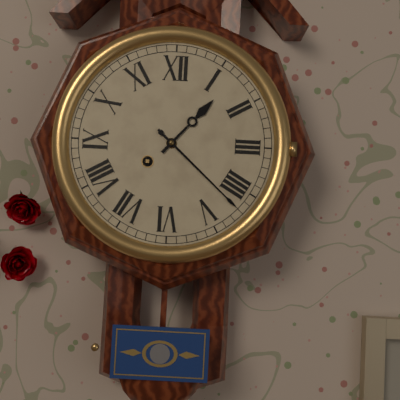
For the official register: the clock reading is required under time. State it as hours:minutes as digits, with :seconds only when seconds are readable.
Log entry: 1:22
